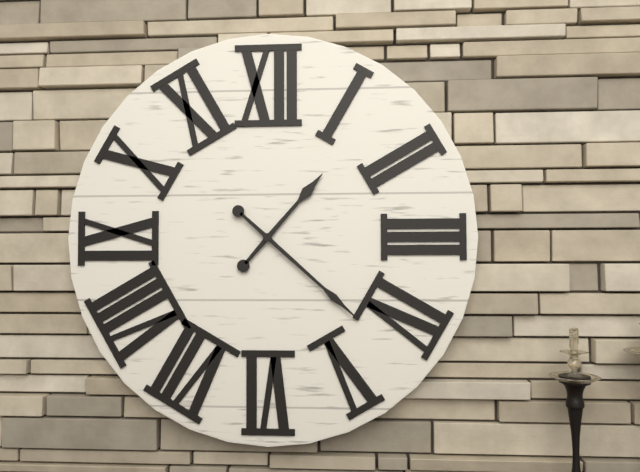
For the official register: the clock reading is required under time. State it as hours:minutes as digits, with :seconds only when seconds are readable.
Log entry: 1:22
